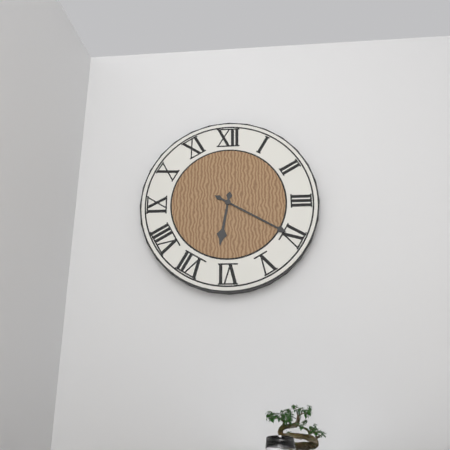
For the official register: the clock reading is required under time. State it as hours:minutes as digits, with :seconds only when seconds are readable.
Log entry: 6:20
